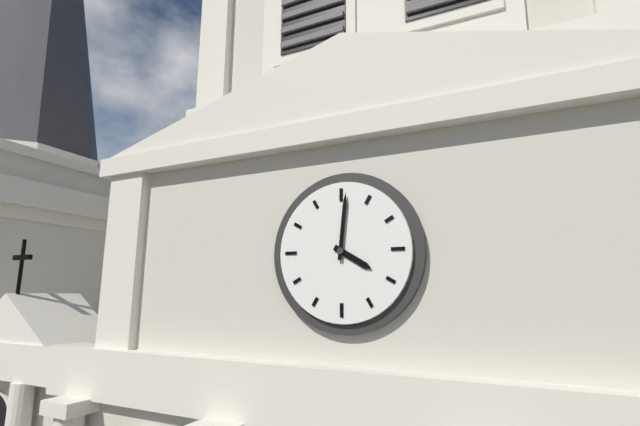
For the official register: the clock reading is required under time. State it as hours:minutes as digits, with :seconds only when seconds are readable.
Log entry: 4:01
